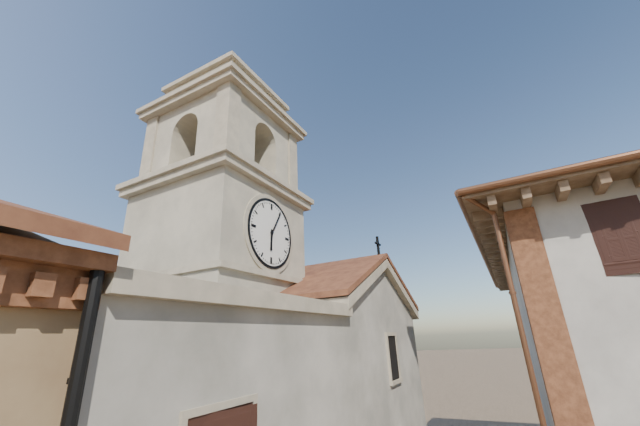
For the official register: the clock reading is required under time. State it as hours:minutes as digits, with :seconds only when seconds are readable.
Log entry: 6:05
